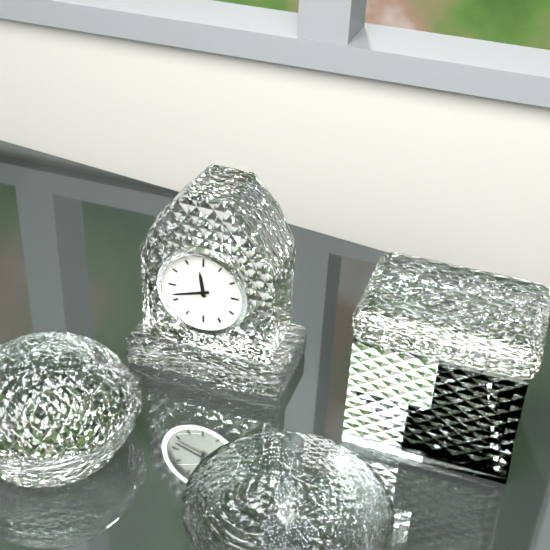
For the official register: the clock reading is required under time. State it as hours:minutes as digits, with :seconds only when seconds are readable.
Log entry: 11:42
